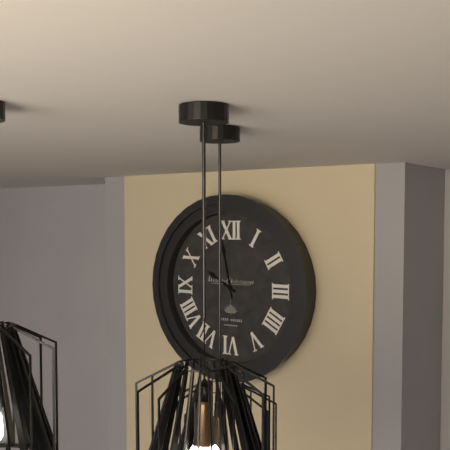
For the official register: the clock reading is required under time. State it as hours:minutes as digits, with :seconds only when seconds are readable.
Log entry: 9:58
